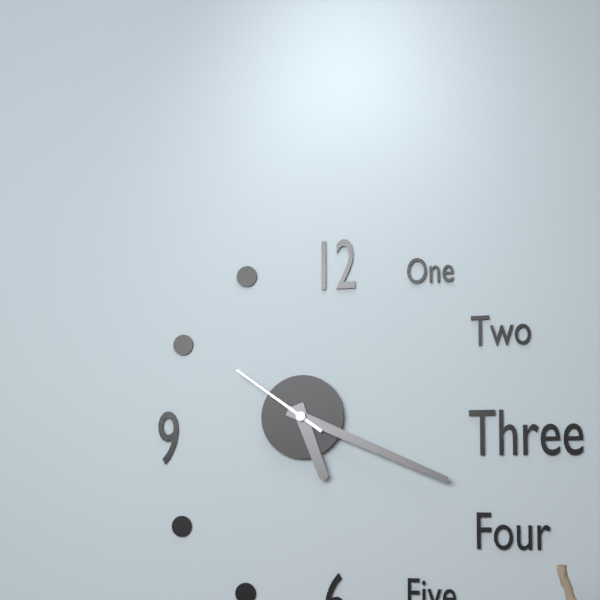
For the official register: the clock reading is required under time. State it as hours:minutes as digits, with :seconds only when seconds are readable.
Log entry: 5:19:51
